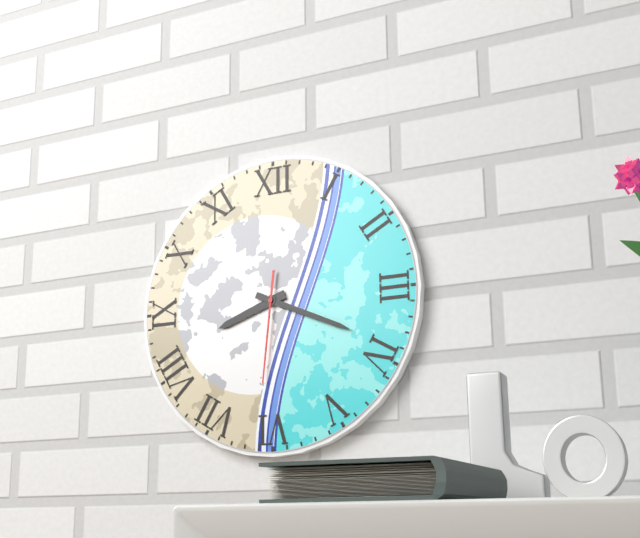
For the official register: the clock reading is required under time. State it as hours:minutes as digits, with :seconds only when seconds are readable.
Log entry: 8:19:31
